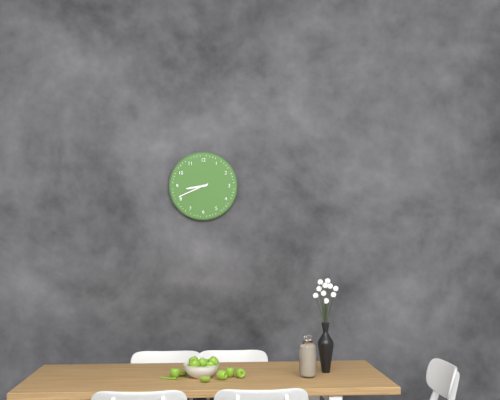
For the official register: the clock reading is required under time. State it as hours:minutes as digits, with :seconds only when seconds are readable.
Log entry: 8:41
